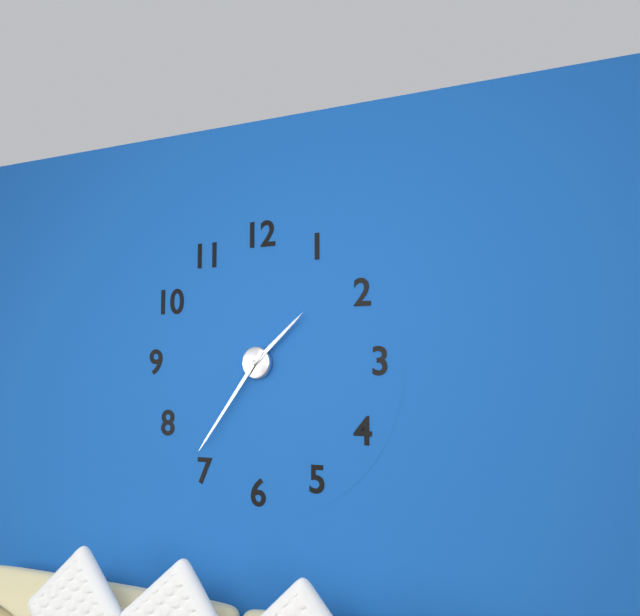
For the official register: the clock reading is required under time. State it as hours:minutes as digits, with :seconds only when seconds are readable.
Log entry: 1:36
